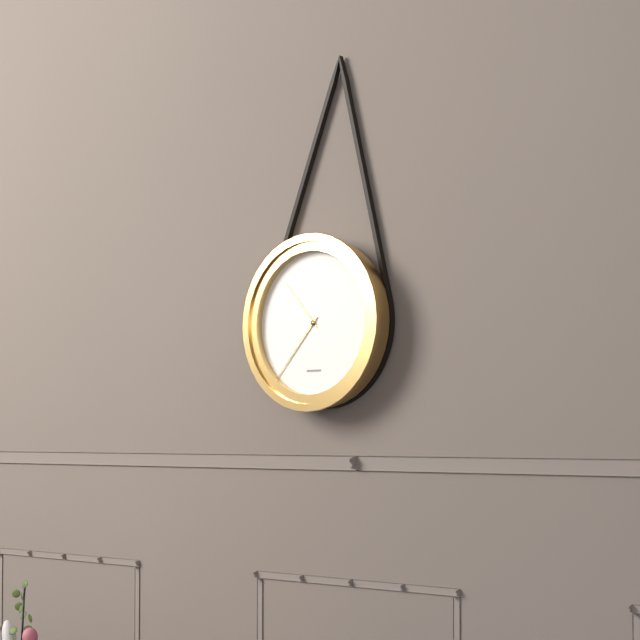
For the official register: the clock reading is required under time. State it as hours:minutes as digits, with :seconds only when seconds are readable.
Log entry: 10:37
